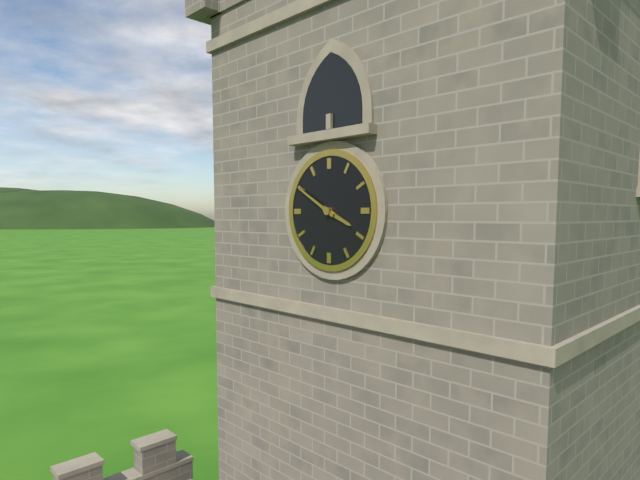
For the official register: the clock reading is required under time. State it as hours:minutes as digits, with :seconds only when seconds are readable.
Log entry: 3:50
